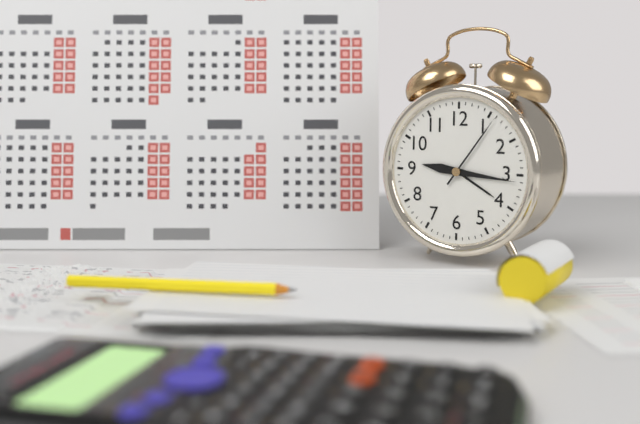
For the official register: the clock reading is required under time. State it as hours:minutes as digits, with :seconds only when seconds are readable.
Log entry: 9:16:06
